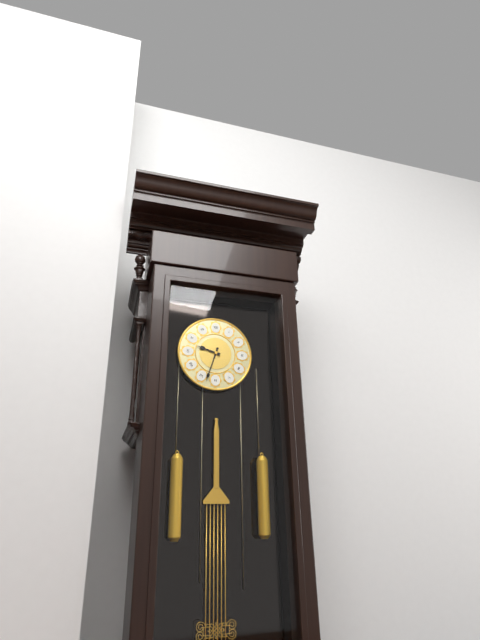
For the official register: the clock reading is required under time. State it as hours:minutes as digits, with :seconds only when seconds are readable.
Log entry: 9:33
